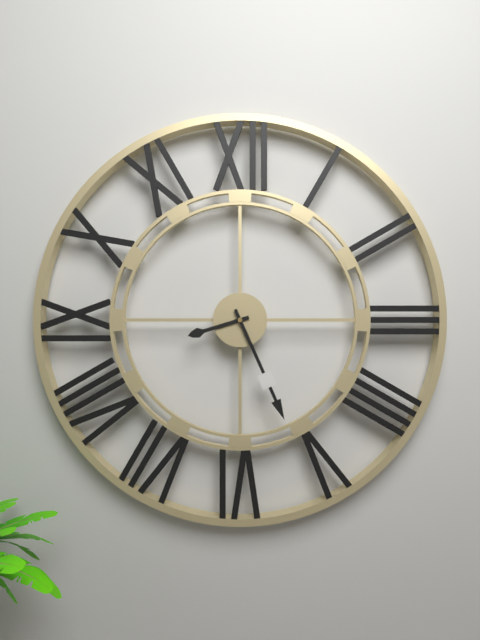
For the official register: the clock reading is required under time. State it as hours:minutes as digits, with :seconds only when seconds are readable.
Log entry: 8:26
